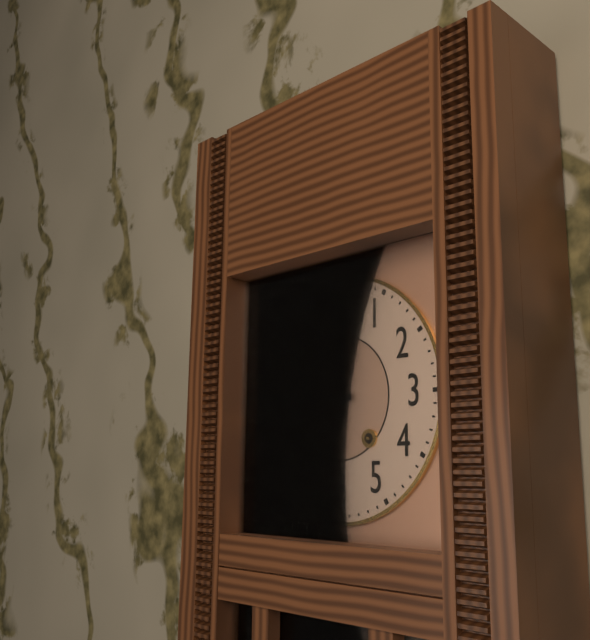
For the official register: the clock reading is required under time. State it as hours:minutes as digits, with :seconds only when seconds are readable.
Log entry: 9:00
